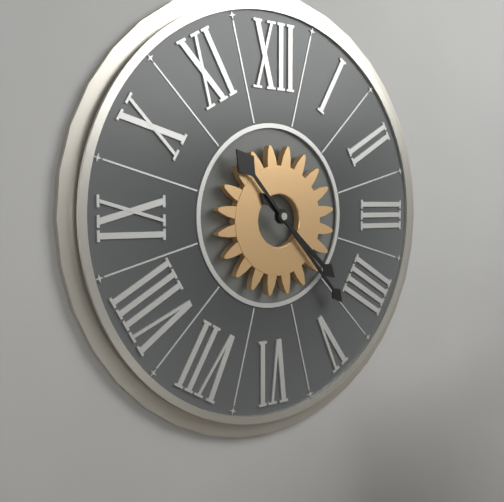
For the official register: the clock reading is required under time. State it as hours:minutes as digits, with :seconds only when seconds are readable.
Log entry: 4:23
